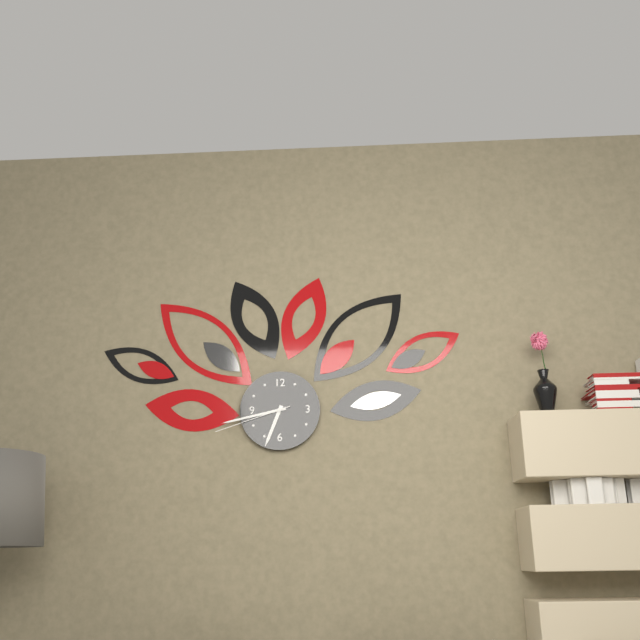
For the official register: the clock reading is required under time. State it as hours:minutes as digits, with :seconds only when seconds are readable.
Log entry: 6:43:42
